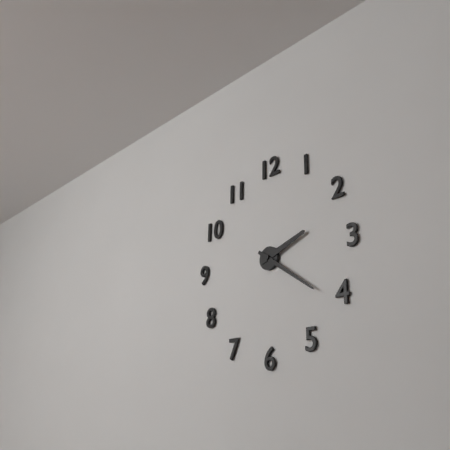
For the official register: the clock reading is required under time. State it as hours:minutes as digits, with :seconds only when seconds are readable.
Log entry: 2:21
